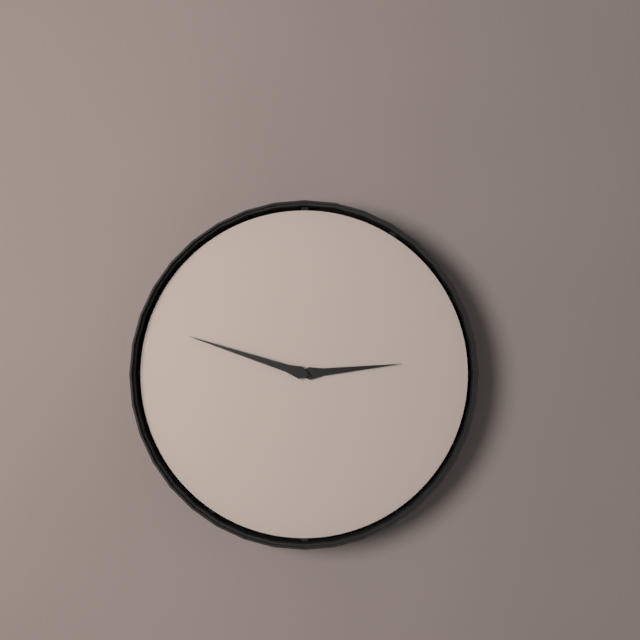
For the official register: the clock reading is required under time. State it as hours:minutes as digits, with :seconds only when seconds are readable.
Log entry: 2:48
